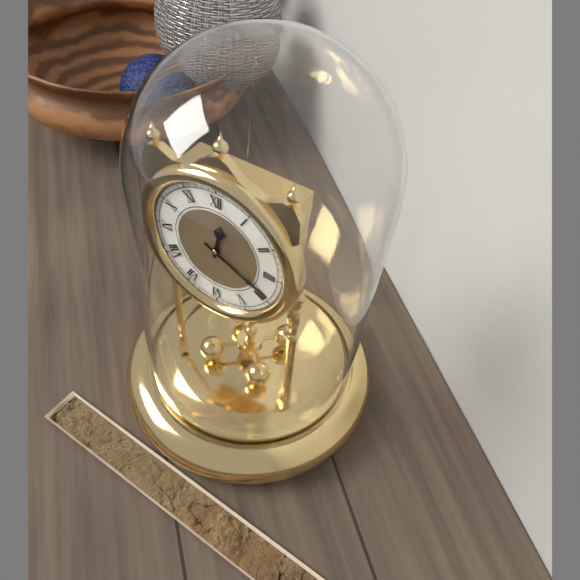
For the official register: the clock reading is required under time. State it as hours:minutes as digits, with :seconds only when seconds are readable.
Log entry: 12:19
